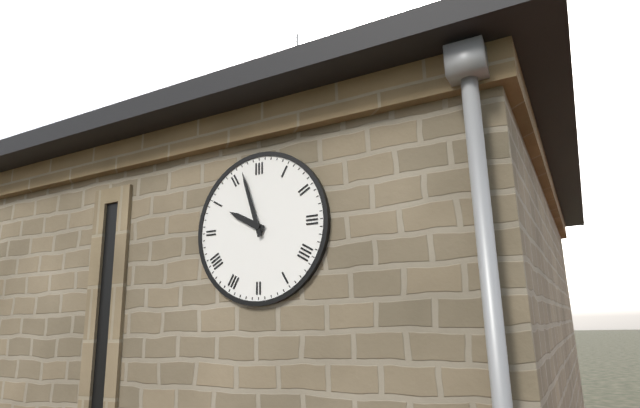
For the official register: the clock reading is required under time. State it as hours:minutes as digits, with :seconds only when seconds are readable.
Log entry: 9:57
